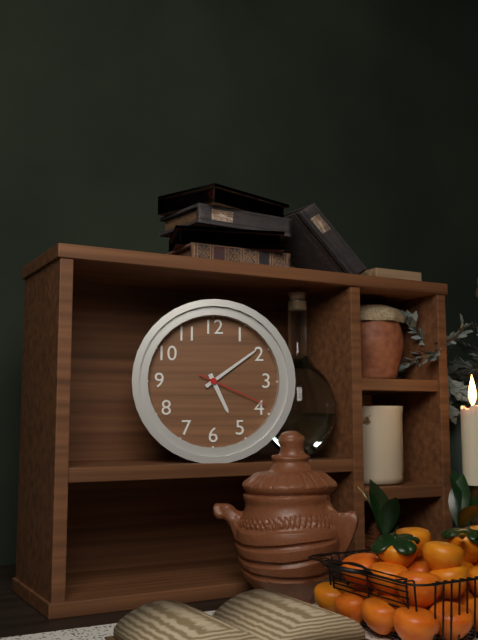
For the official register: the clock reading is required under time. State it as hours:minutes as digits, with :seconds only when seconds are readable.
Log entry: 5:09:19
